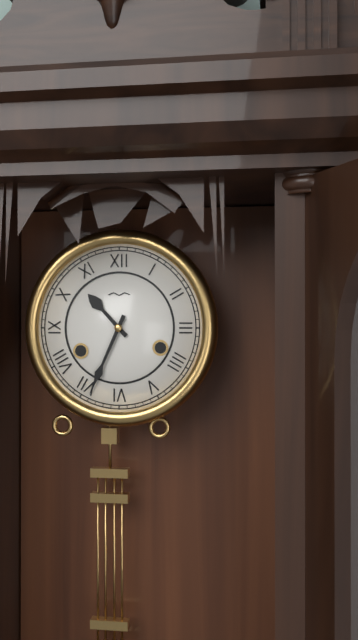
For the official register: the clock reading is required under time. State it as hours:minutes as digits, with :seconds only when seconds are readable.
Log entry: 10:34
